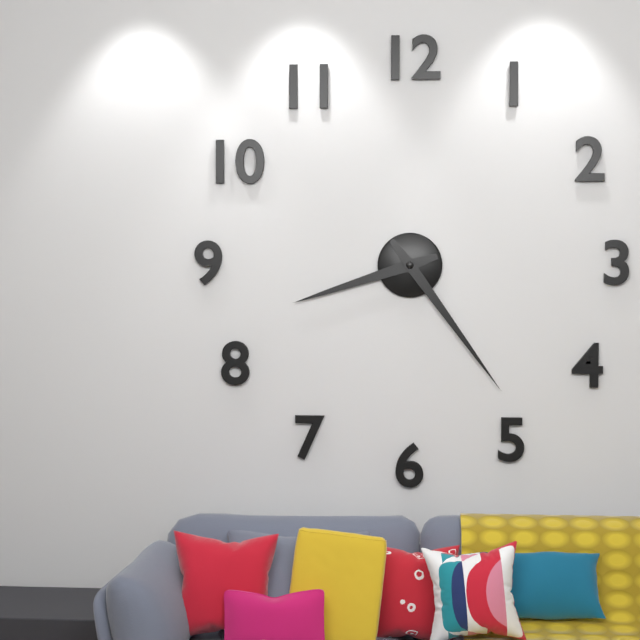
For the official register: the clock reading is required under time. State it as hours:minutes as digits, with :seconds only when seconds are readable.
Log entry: 8:24
